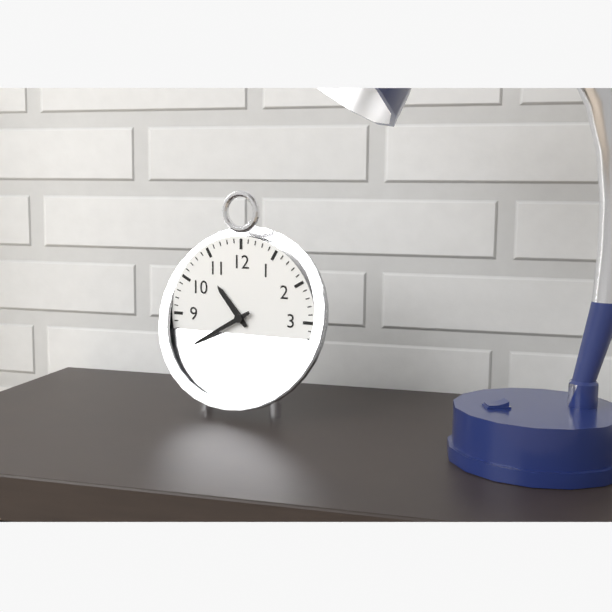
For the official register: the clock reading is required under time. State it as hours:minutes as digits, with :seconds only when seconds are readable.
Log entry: 10:40
